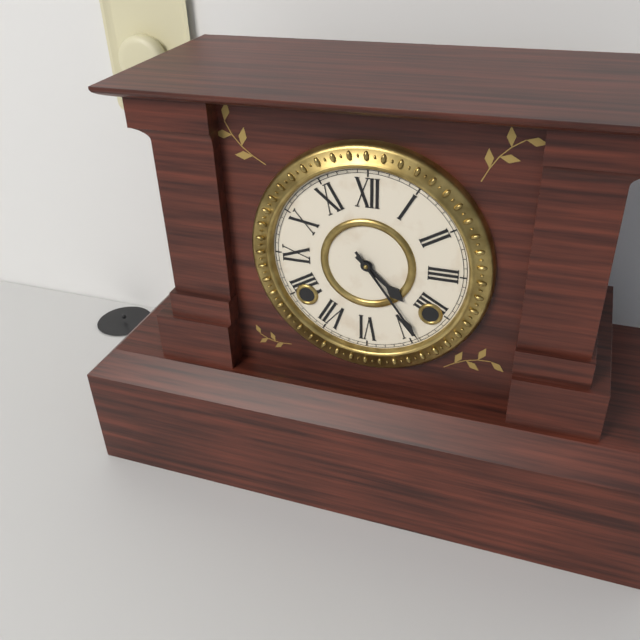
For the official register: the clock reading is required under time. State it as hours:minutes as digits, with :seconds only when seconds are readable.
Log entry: 4:24
